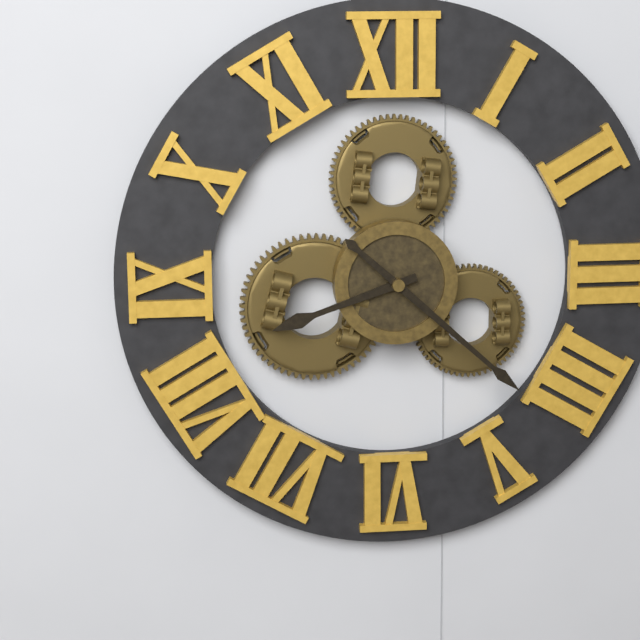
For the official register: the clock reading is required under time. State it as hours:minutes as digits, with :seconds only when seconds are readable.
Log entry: 8:22
